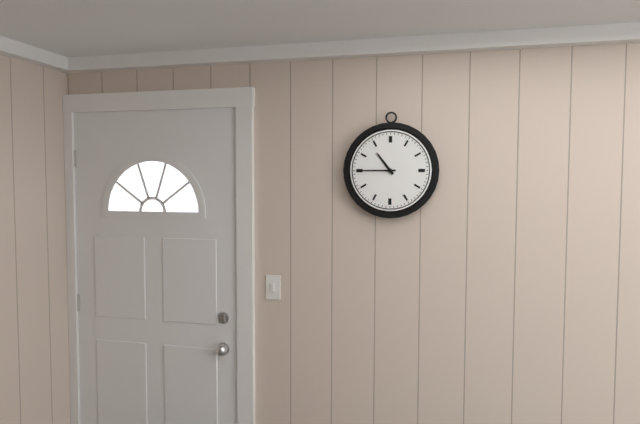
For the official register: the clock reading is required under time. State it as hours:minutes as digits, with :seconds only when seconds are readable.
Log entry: 10:45
